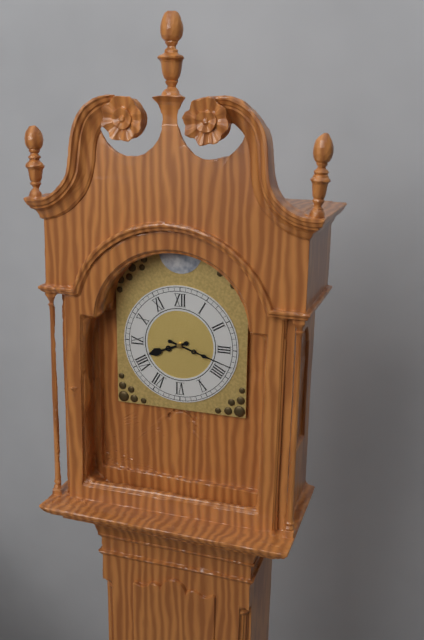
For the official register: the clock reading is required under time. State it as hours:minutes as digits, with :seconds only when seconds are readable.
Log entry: 8:18
